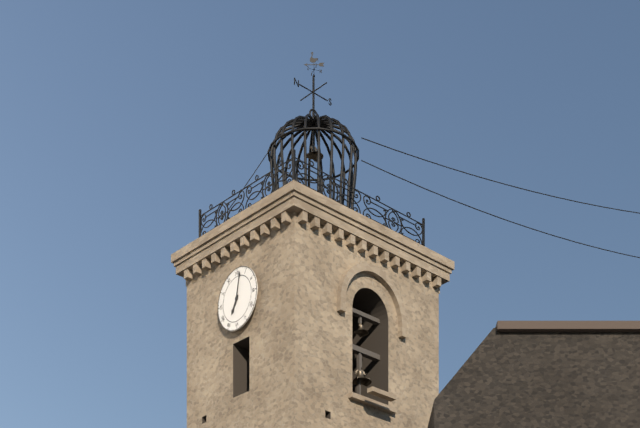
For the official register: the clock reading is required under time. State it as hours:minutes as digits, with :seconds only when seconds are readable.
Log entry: 7:02
